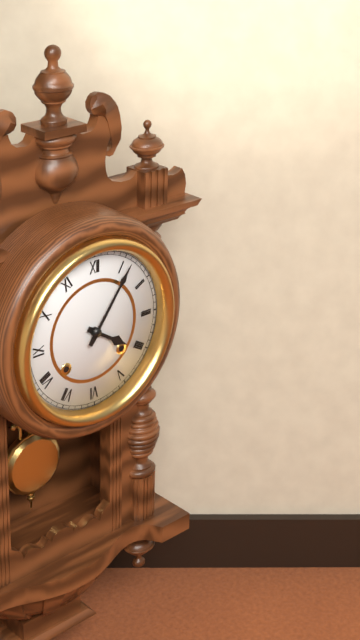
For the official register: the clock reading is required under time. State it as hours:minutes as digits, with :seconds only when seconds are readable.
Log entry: 4:06
